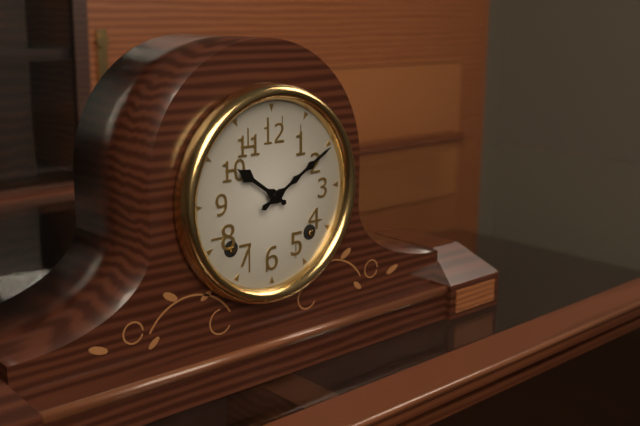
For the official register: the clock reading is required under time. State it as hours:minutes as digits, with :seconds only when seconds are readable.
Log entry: 10:10
